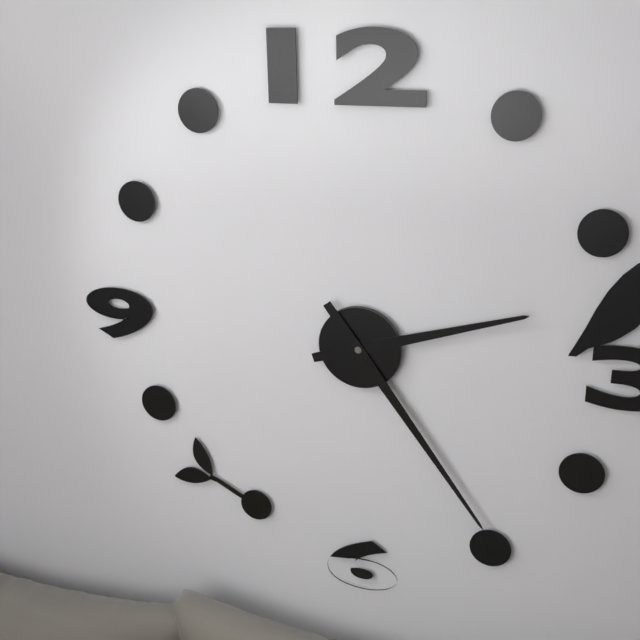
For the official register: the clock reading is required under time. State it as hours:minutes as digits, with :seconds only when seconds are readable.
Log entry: 2:24
